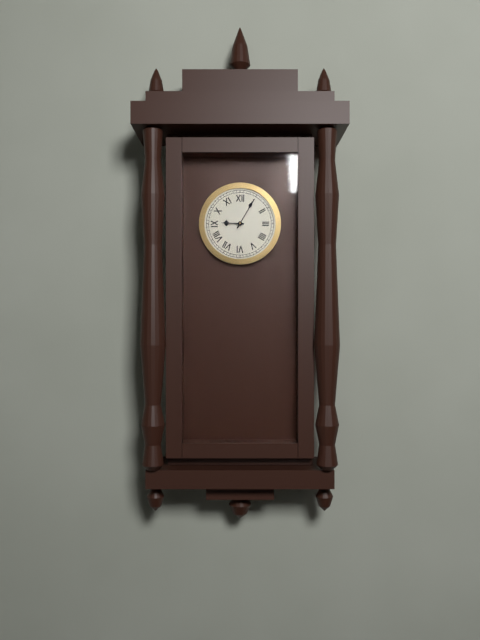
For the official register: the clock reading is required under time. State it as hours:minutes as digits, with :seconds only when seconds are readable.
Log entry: 9:05
